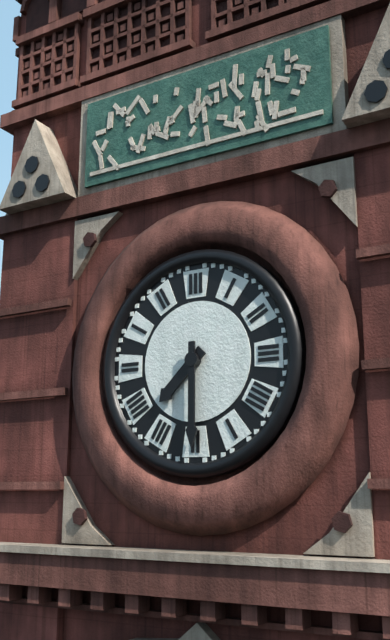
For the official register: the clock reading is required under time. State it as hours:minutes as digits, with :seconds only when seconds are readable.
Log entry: 7:30
